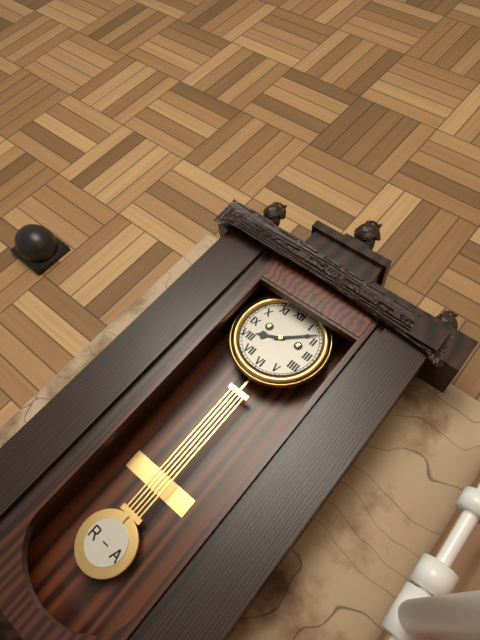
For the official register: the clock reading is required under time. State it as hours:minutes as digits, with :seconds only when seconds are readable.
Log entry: 8:08
